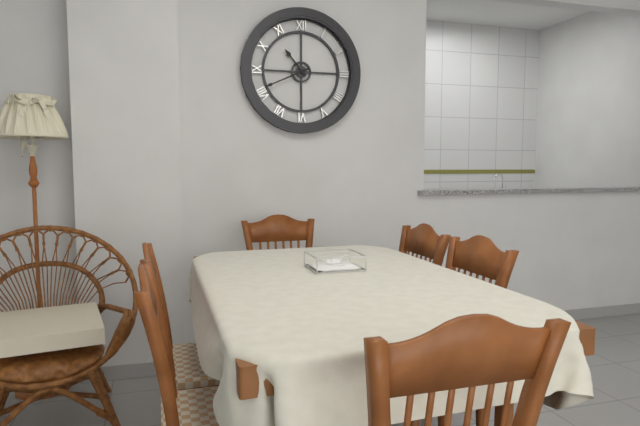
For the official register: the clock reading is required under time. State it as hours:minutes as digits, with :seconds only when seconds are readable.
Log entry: 10:41
